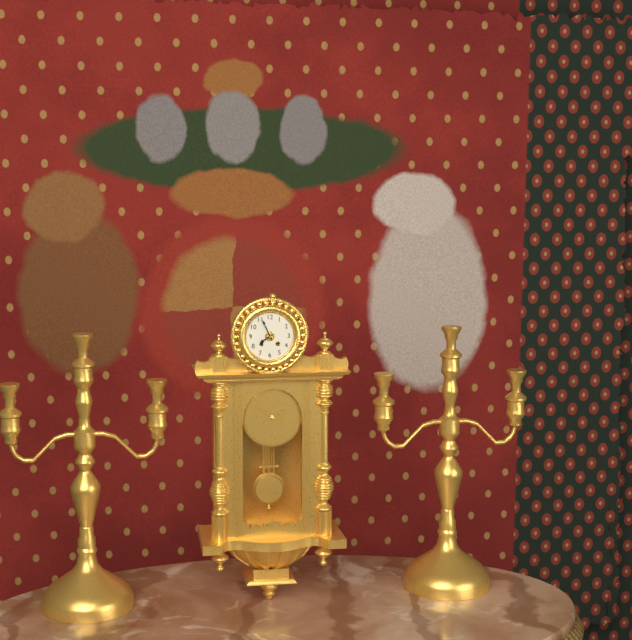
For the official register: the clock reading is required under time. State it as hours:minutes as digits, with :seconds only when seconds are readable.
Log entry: 7:56
